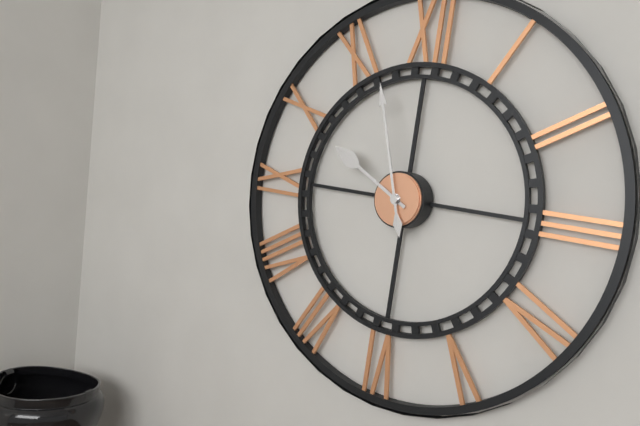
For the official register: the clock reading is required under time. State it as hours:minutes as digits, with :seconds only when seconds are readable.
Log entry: 9:57
